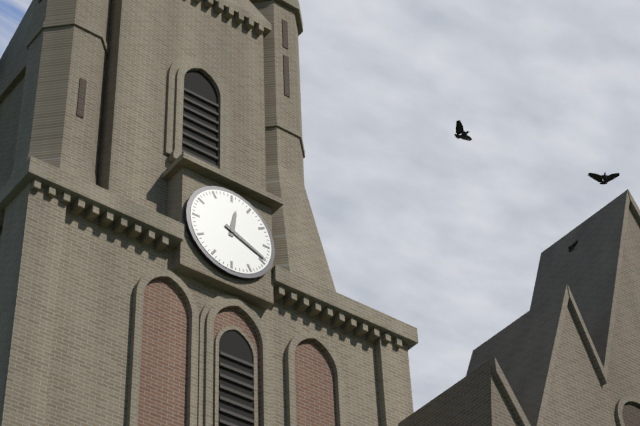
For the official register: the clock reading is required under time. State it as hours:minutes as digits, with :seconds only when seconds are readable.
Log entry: 12:19
